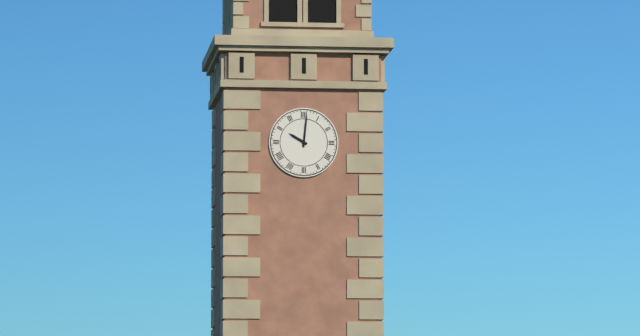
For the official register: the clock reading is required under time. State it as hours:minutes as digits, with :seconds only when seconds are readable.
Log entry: 10:01
